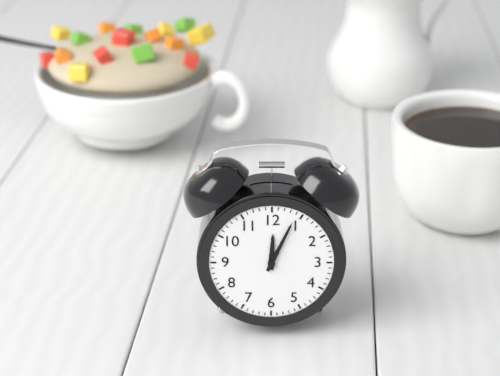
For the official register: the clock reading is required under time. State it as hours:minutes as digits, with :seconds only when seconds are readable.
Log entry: 12:04
